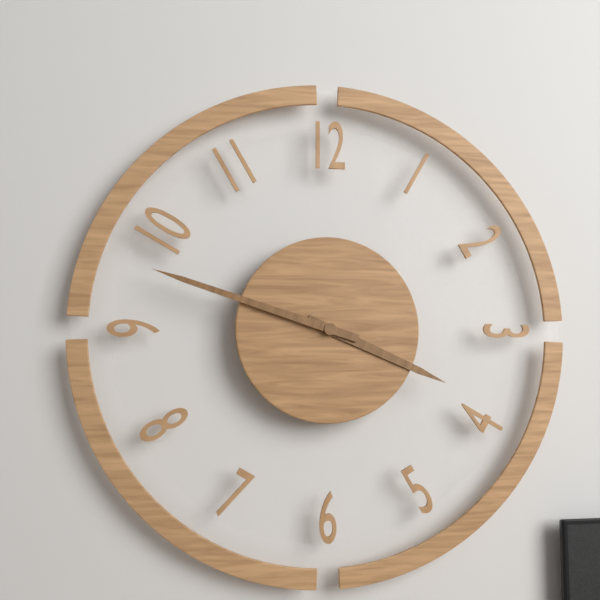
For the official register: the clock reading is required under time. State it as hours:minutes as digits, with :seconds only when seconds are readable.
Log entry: 3:48
